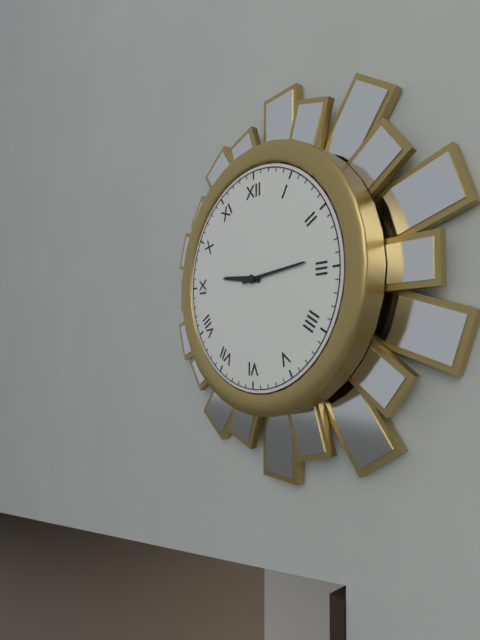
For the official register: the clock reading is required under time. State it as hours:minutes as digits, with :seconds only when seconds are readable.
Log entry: 9:14
